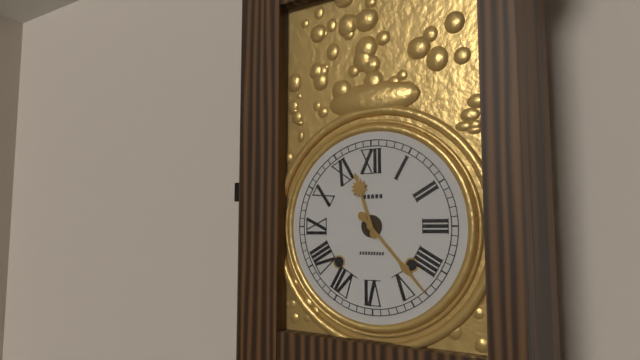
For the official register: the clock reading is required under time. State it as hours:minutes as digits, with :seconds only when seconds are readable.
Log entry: 11:23
